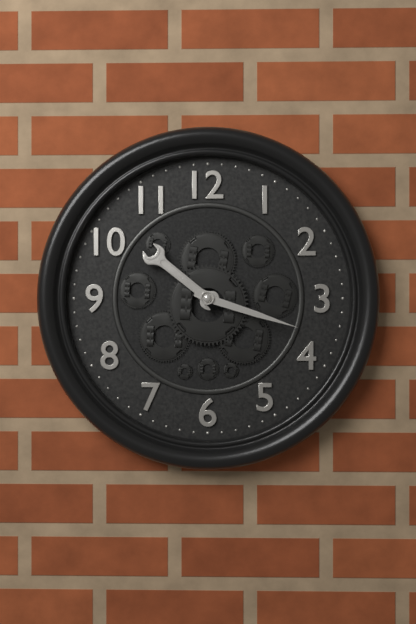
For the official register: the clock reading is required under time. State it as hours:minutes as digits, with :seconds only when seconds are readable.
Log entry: 10:18
